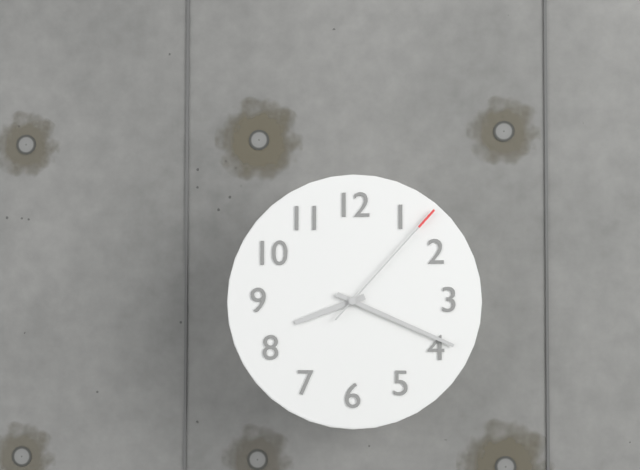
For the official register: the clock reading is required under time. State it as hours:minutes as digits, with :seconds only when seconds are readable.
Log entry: 8:19:07
